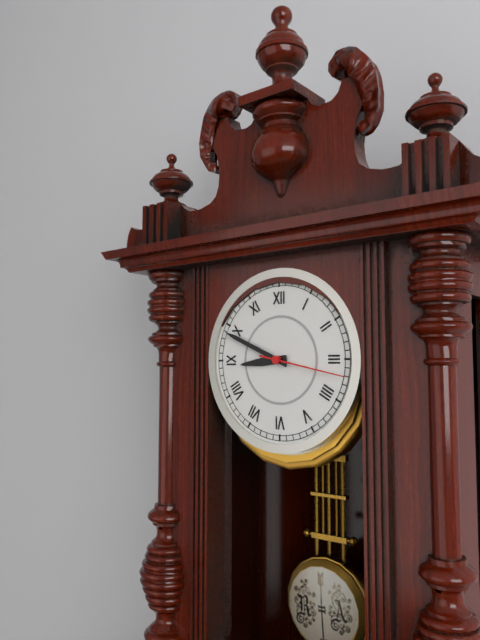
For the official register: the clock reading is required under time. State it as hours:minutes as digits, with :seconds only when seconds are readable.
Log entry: 8:49:17
